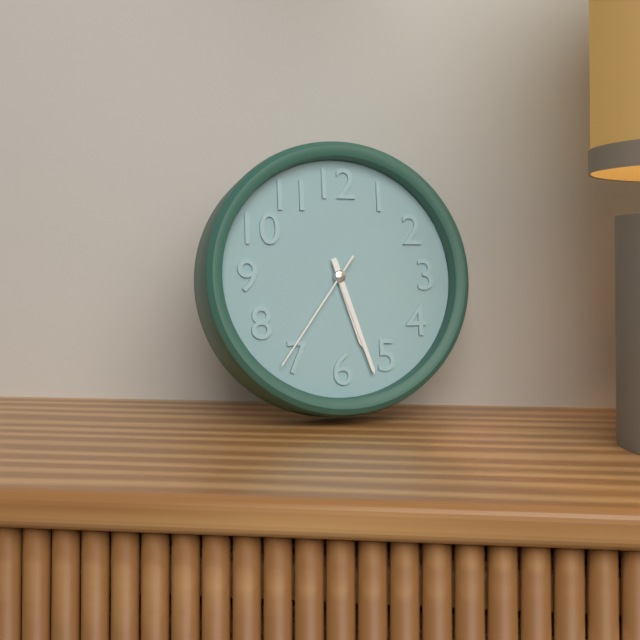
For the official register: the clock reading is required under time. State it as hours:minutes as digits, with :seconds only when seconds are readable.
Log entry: 5:27:36
